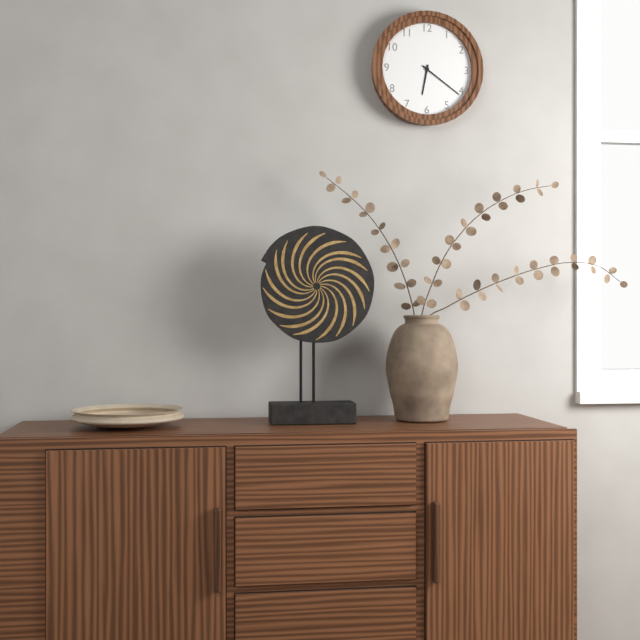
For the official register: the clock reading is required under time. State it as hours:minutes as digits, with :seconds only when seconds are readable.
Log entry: 6:21
